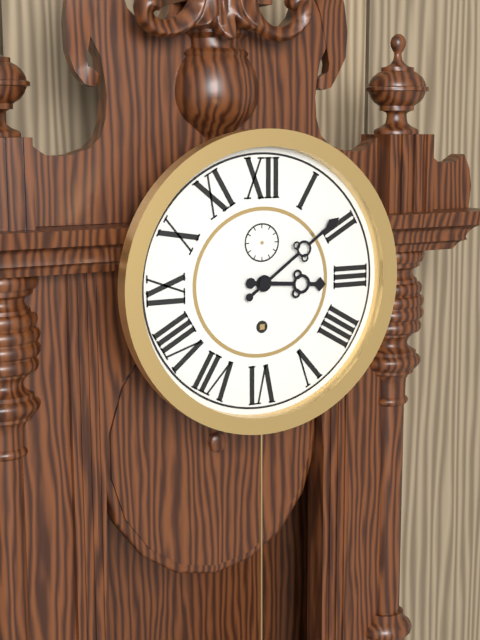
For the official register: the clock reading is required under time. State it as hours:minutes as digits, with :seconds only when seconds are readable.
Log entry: 3:09
